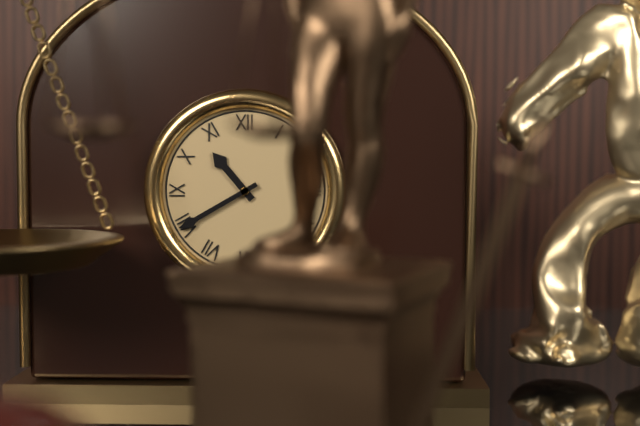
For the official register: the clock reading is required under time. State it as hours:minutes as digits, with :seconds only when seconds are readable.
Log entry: 10:40
